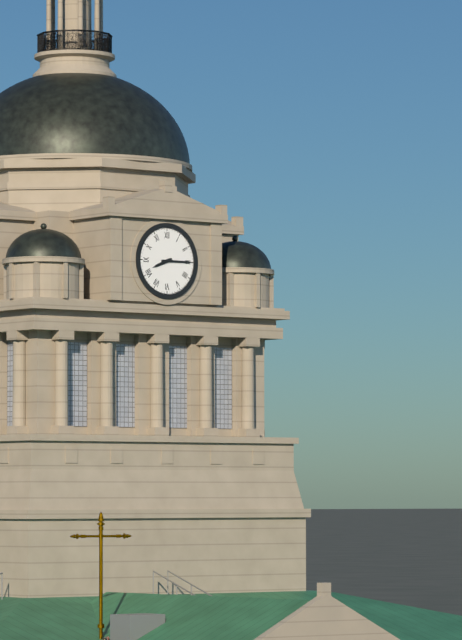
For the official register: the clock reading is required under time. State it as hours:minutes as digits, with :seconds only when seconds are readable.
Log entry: 8:15
